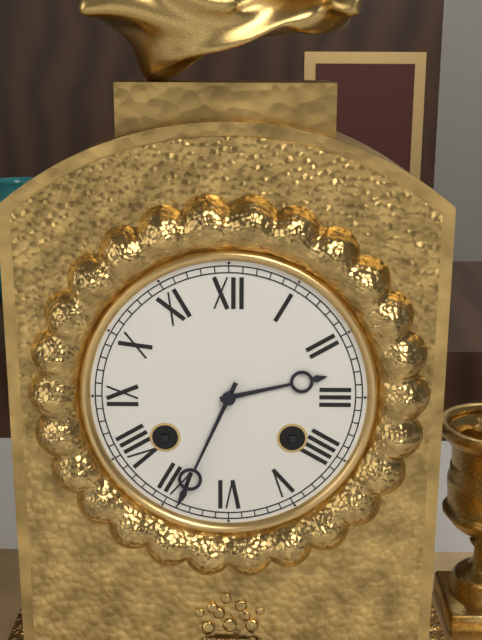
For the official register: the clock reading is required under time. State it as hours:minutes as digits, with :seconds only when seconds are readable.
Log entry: 2:34
